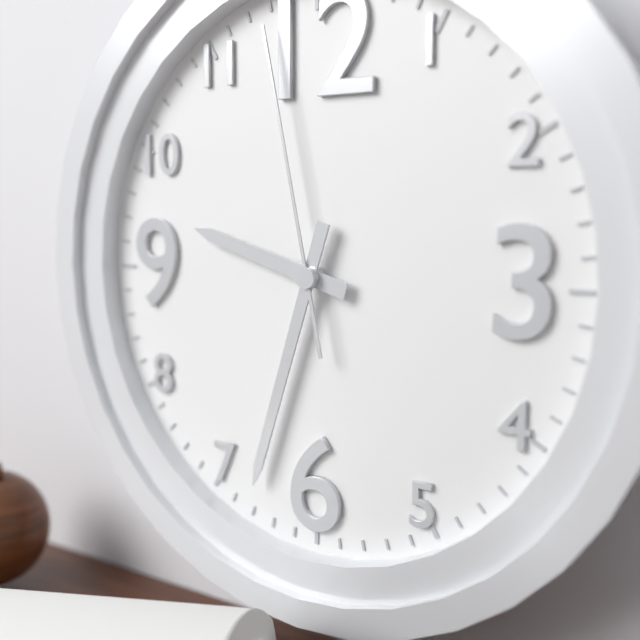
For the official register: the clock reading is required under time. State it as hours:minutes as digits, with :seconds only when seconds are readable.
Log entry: 9:33:58
